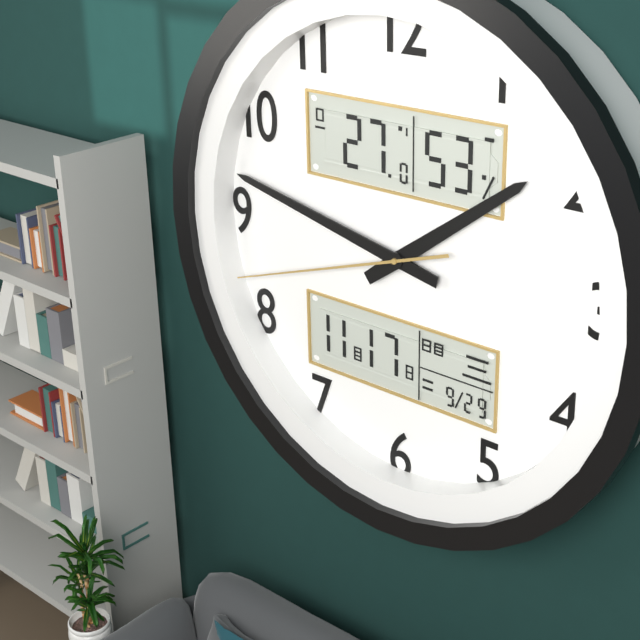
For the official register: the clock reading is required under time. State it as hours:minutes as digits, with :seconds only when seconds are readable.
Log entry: 1:47:42
